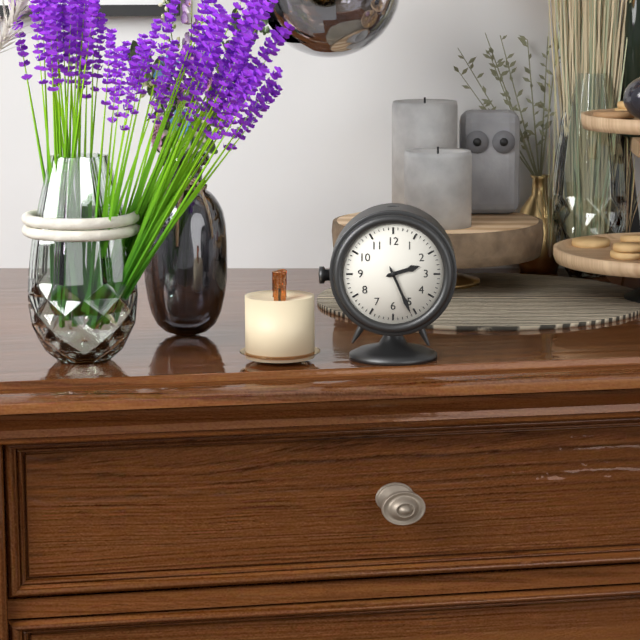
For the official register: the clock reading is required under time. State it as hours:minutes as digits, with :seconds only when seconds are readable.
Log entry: 2:26
